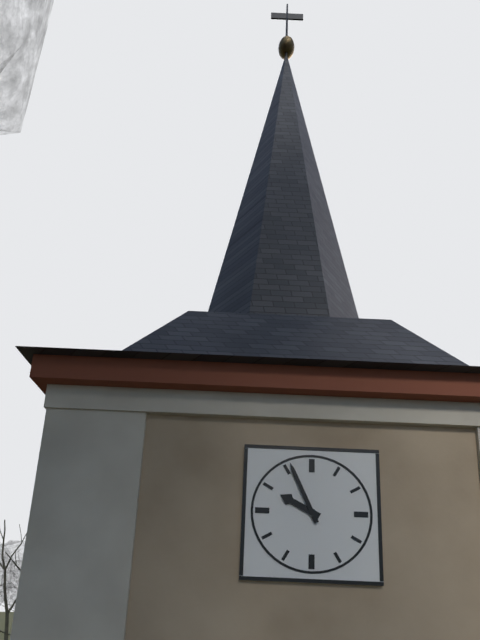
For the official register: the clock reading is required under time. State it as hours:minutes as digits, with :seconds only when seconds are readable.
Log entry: 9:56
